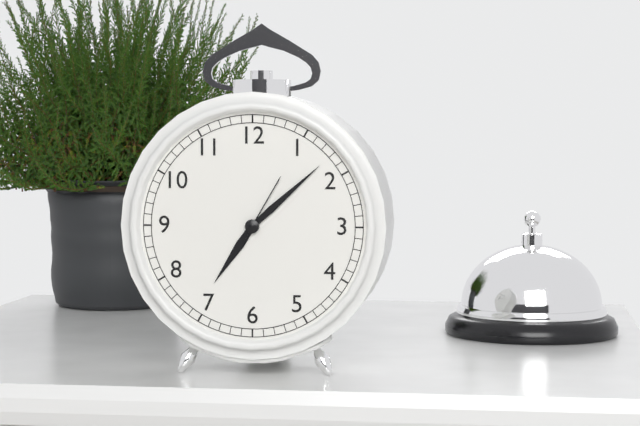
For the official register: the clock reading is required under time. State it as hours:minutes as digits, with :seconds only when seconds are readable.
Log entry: 7:08:05
